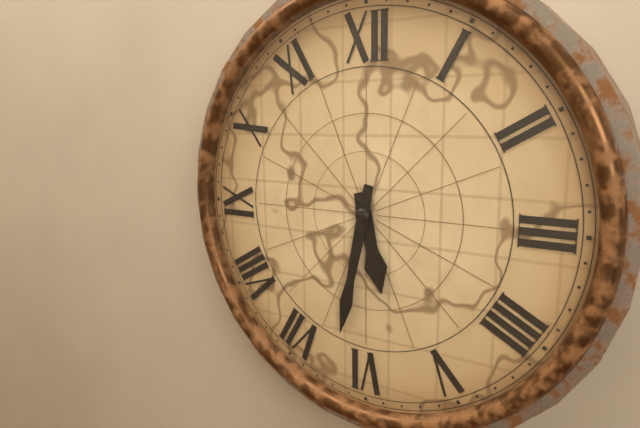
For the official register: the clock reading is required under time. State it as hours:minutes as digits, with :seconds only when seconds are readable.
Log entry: 5:32
